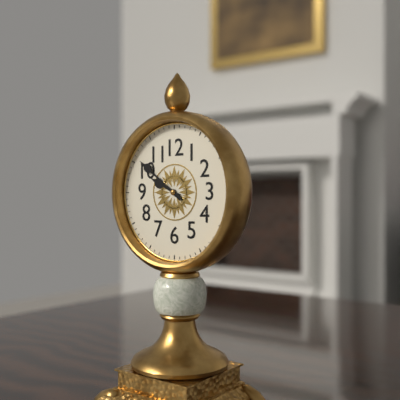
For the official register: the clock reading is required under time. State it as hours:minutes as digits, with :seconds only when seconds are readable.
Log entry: 9:51
